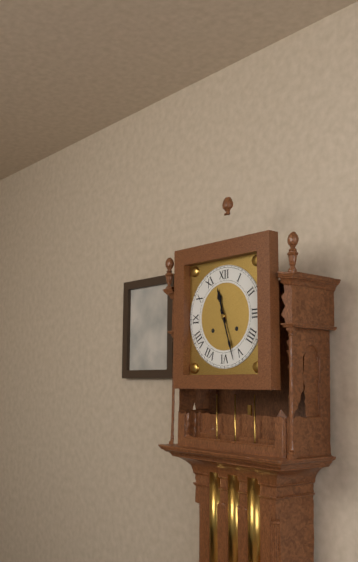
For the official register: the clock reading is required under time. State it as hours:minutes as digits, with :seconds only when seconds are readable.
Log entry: 11:27
